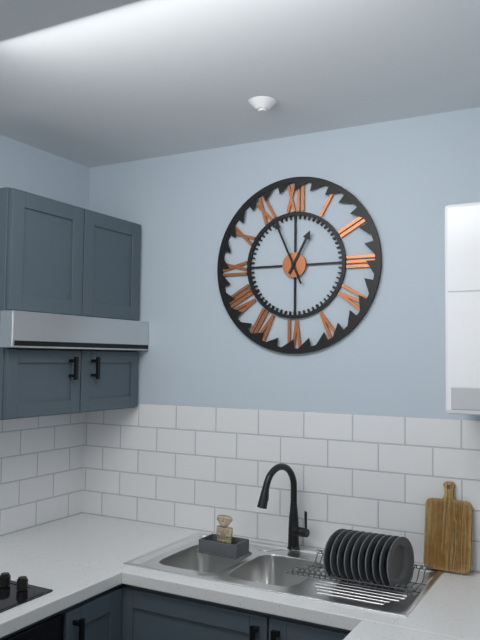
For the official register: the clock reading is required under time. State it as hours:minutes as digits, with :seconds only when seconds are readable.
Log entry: 12:56
